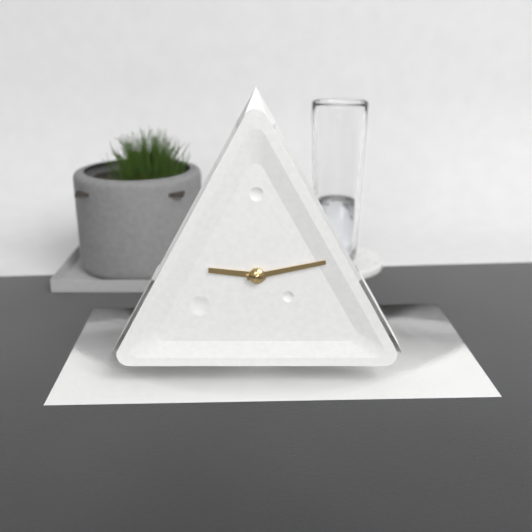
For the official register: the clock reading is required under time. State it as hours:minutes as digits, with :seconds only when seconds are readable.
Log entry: 9:13
